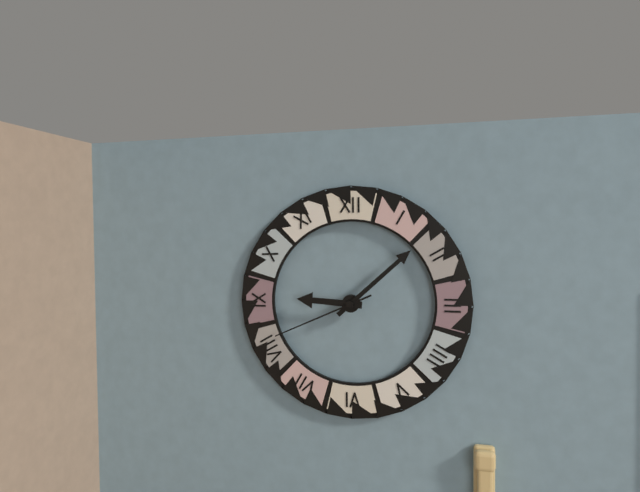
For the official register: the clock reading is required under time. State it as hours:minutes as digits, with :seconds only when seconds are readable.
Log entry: 9:08:41
